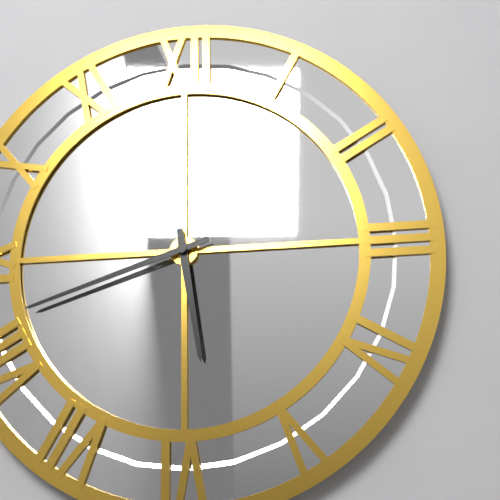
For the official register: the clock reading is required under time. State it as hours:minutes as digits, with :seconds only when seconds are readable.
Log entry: 5:42
